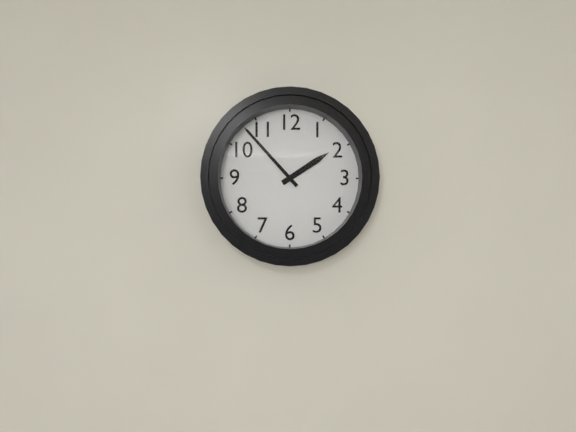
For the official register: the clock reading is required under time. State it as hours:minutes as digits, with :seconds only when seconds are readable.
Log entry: 1:53
